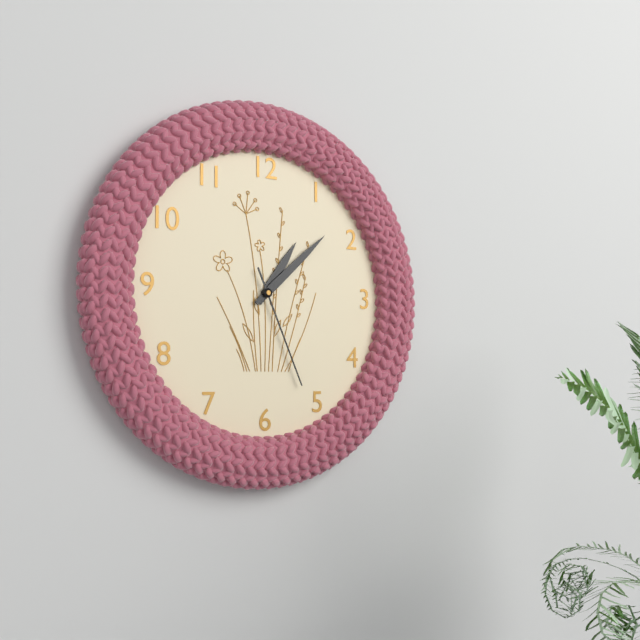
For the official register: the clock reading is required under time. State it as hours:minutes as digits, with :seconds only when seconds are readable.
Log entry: 1:08:26
